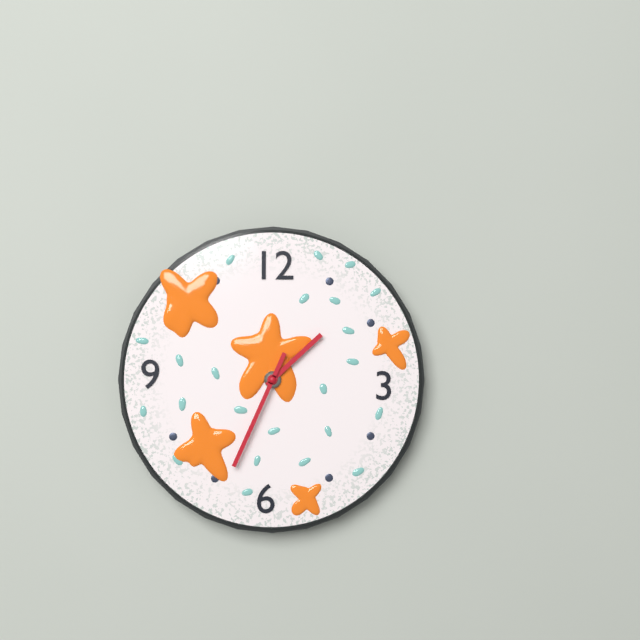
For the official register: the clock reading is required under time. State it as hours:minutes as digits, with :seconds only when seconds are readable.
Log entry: 1:34
